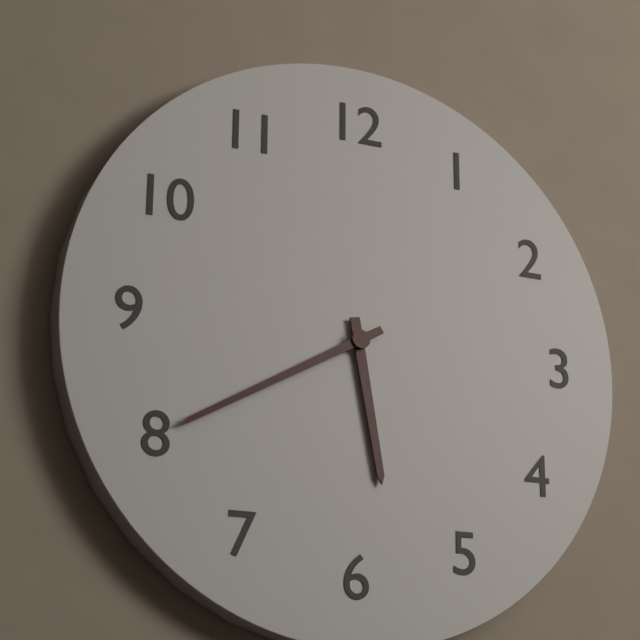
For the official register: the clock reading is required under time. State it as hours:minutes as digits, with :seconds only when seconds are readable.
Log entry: 5:40
